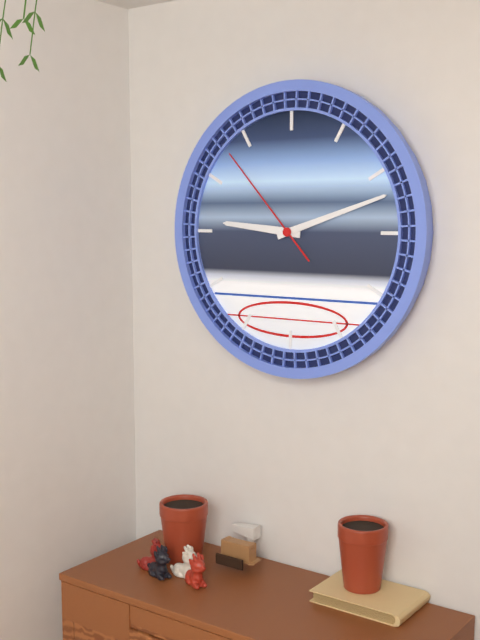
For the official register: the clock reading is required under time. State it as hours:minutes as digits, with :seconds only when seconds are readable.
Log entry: 9:12:53
